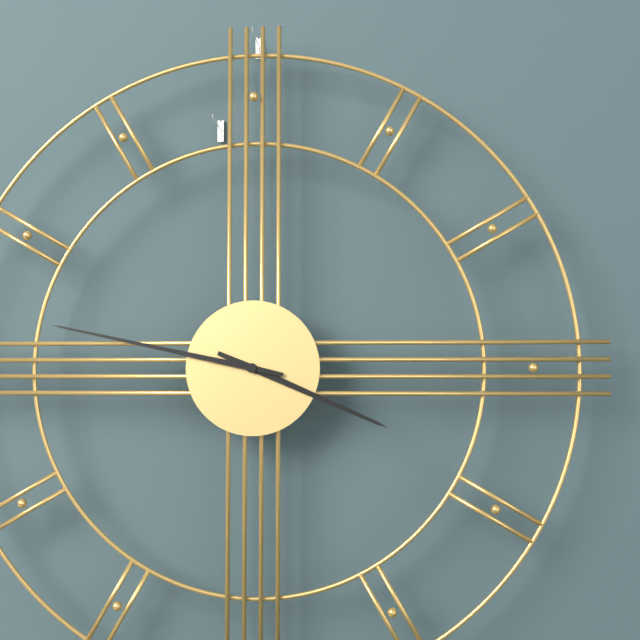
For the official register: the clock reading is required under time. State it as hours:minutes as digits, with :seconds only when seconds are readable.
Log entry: 3:47
